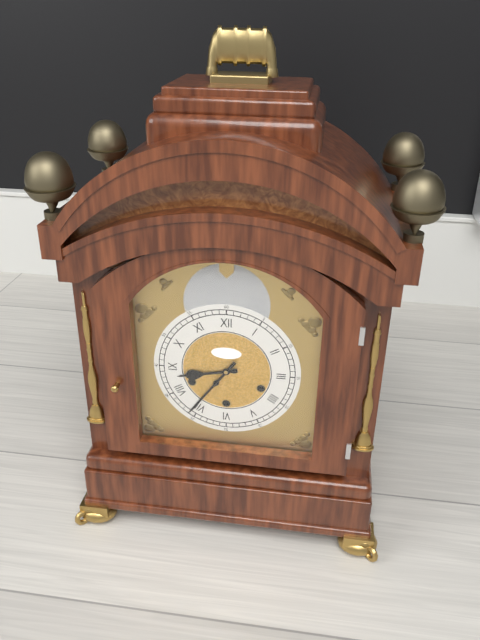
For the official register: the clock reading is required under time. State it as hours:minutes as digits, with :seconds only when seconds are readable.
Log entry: 8:36
